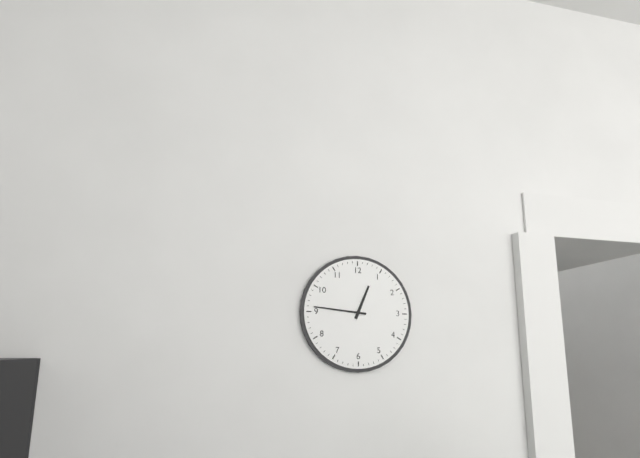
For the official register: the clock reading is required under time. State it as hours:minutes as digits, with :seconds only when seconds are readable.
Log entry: 12:46
